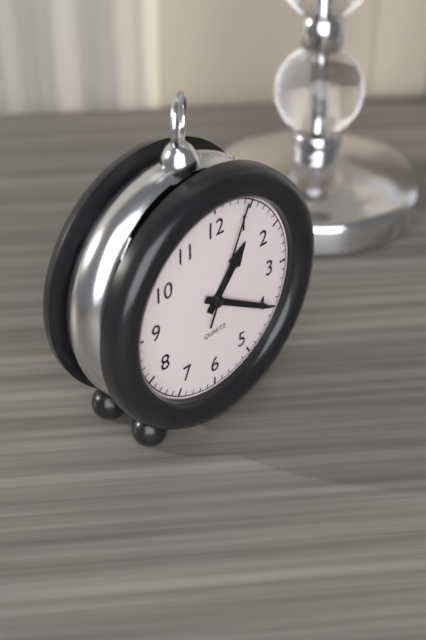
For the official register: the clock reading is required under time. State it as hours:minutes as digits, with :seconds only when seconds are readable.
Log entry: 1:20:04
